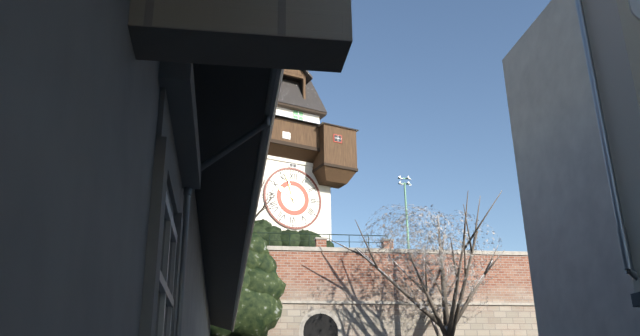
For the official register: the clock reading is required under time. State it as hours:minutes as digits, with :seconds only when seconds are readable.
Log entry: 9:57
